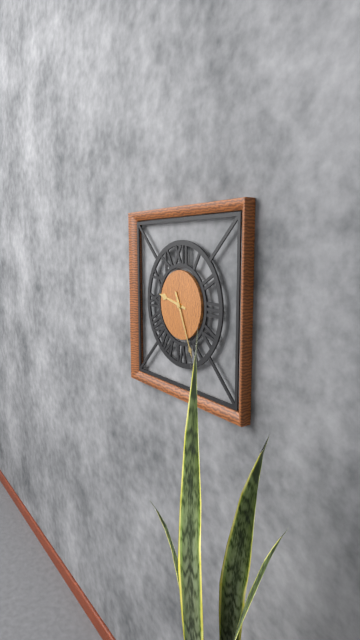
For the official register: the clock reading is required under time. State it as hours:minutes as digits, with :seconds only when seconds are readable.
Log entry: 9:26
